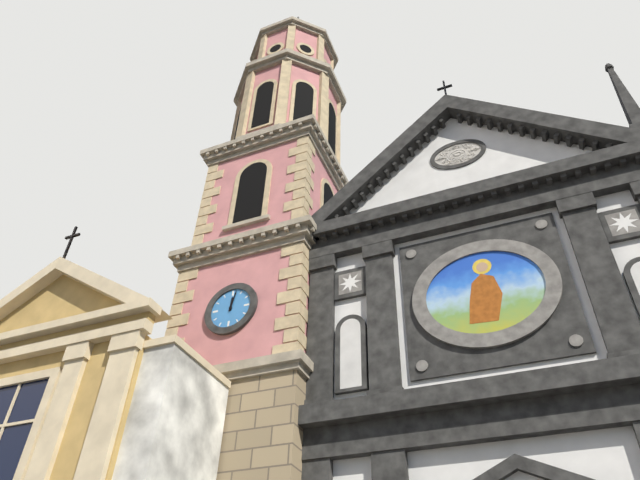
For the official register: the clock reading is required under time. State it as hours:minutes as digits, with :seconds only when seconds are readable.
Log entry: 12:02
